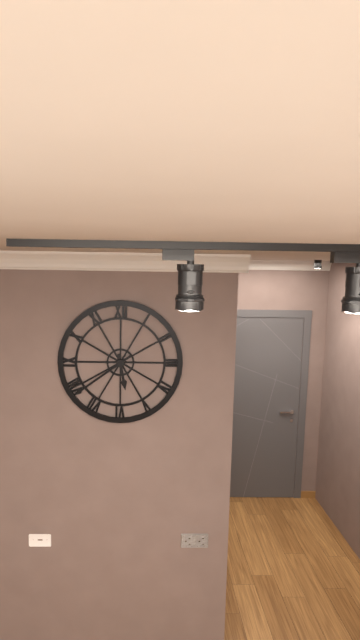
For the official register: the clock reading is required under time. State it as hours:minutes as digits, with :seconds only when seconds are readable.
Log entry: 5:39
